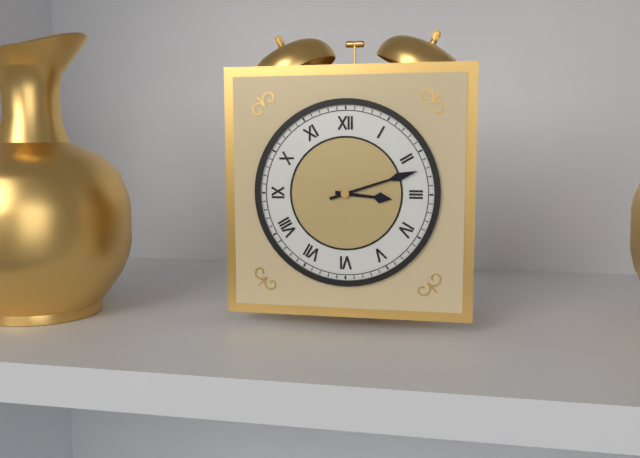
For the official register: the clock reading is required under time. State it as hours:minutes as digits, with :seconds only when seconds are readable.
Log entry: 3:12
